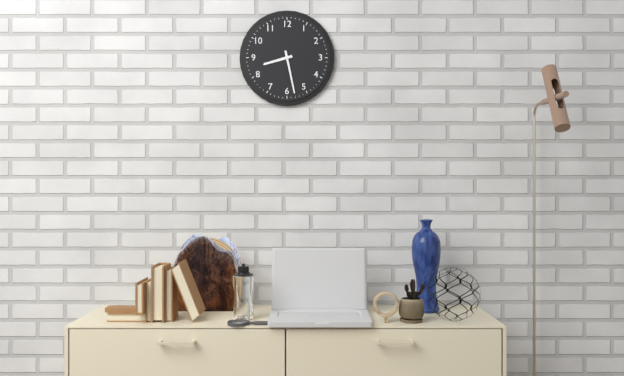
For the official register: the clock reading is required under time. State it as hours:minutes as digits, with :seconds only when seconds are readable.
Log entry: 8:28
